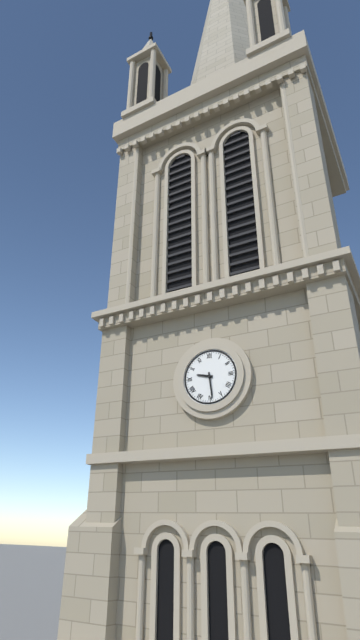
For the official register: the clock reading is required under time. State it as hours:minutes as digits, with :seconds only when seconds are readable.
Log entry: 9:29
